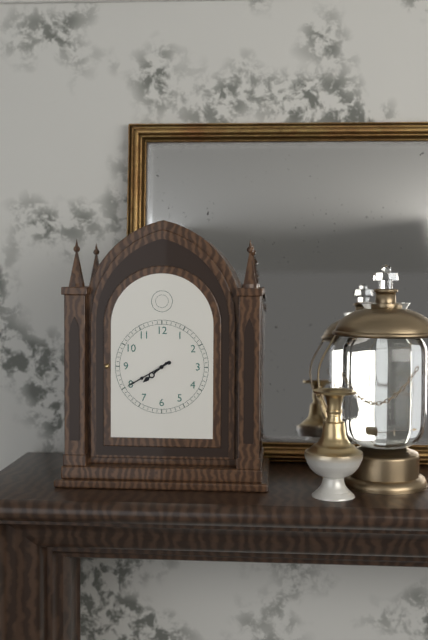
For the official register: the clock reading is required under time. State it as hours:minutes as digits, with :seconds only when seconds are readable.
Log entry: 7:40
